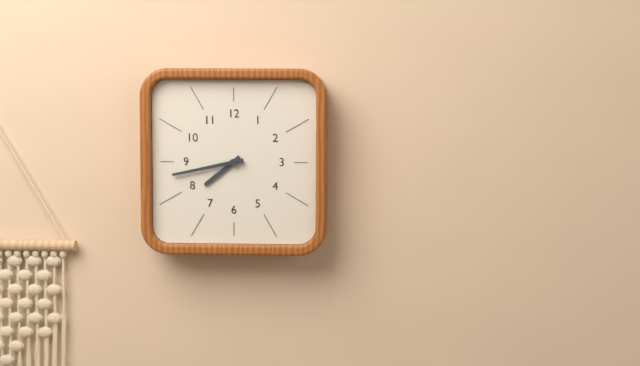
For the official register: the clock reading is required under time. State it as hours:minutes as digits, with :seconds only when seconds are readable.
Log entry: 7:43
